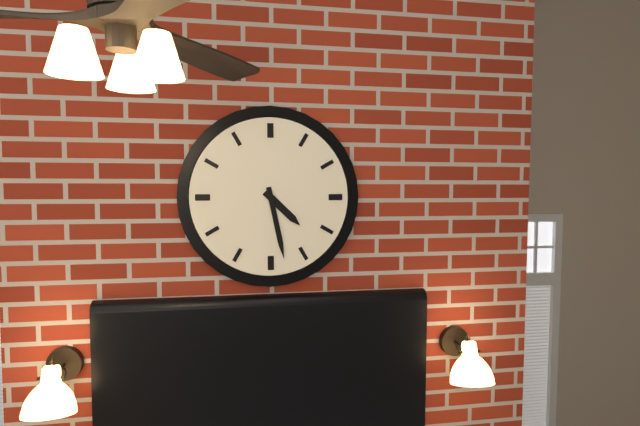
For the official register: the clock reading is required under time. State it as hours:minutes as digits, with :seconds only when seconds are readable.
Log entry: 4:28
